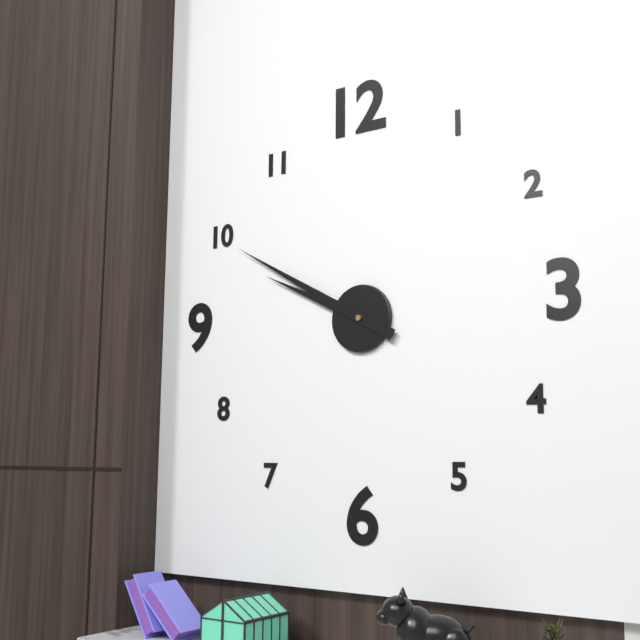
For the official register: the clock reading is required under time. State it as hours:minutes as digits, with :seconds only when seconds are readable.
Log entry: 9:50
